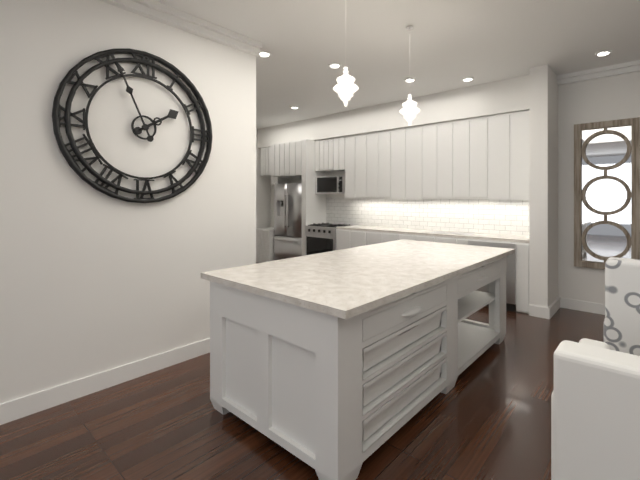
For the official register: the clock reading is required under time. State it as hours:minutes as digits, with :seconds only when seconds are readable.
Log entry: 1:56
